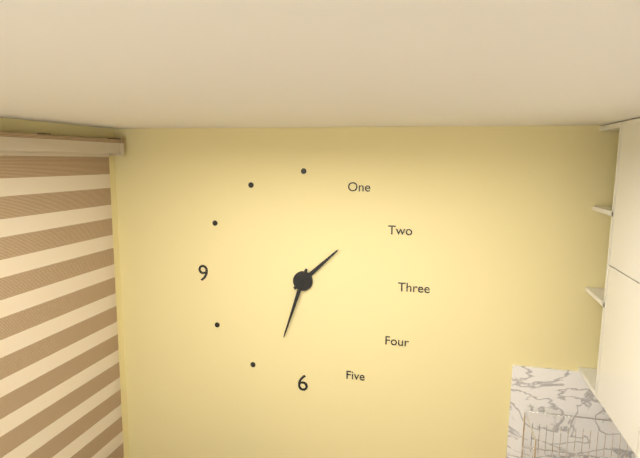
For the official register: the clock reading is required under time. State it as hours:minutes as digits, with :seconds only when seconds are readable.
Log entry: 1:33
